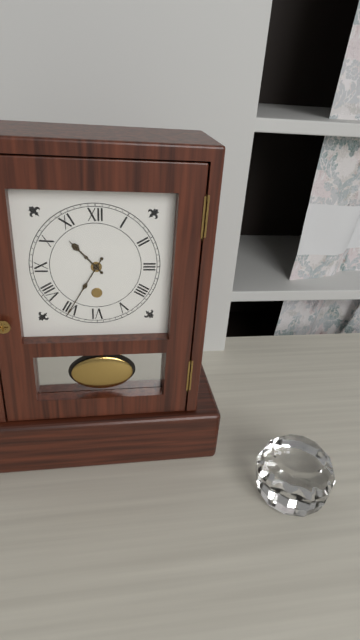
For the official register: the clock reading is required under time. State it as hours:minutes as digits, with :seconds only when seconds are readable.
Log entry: 10:35
